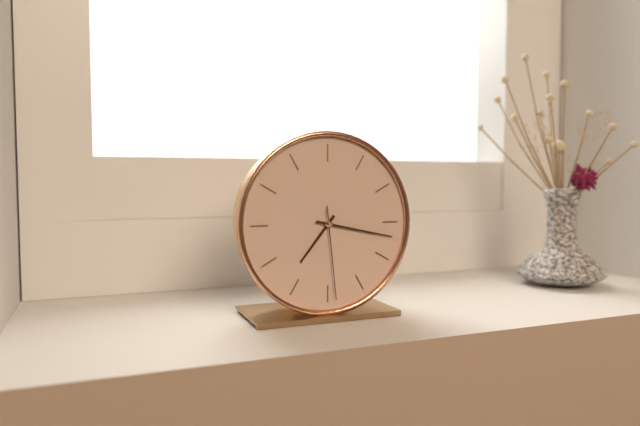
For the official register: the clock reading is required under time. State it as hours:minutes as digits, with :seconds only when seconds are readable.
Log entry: 7:17:29
